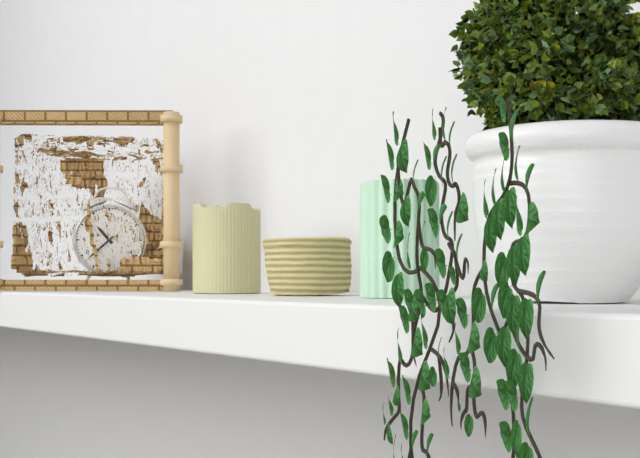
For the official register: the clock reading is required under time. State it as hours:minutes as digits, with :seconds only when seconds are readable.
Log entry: 10:38
